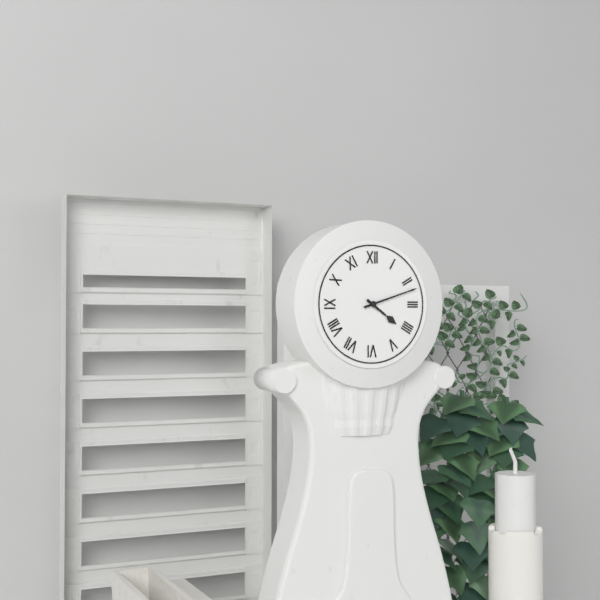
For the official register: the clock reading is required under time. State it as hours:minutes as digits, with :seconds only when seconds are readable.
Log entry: 4:12
